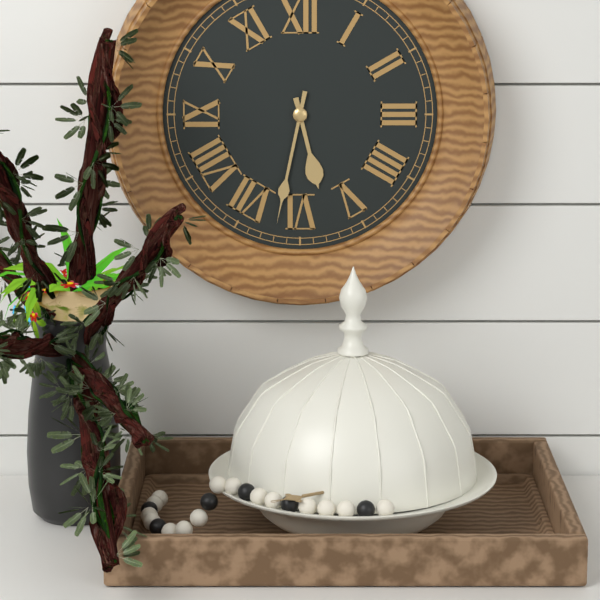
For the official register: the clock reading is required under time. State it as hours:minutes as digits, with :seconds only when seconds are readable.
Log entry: 5:32
